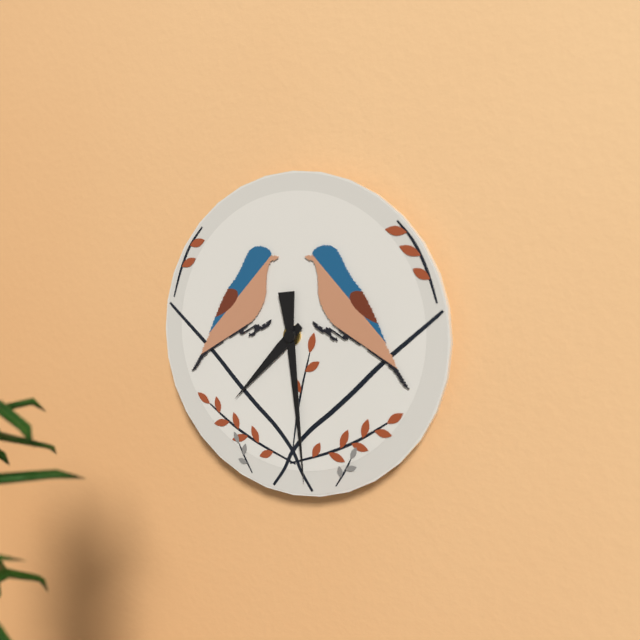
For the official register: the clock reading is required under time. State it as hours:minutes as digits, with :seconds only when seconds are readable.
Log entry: 7:29
